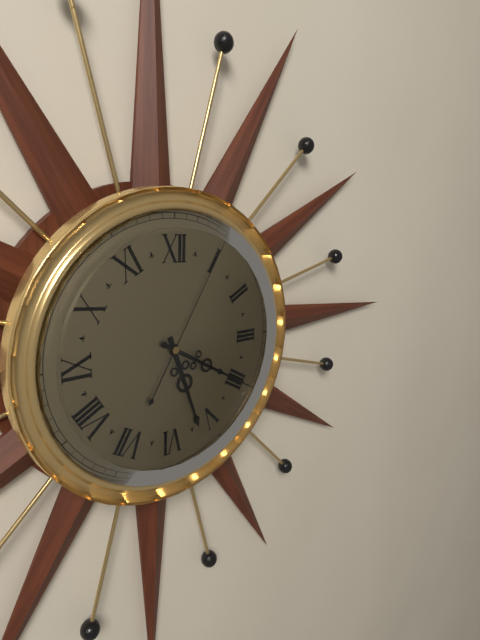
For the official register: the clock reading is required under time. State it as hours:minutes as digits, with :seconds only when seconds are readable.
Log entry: 5:20:05
